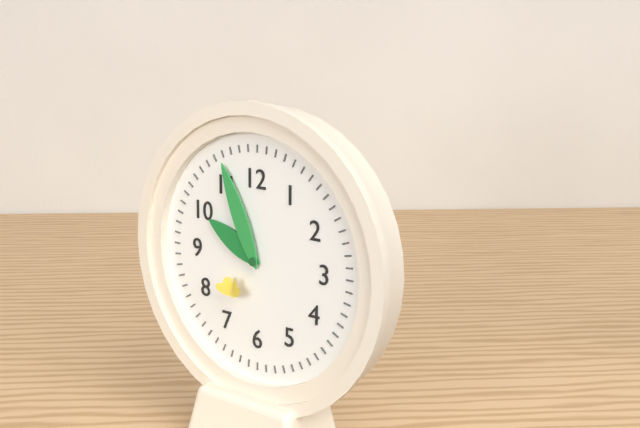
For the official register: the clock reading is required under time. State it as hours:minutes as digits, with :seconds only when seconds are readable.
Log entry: 9:56
